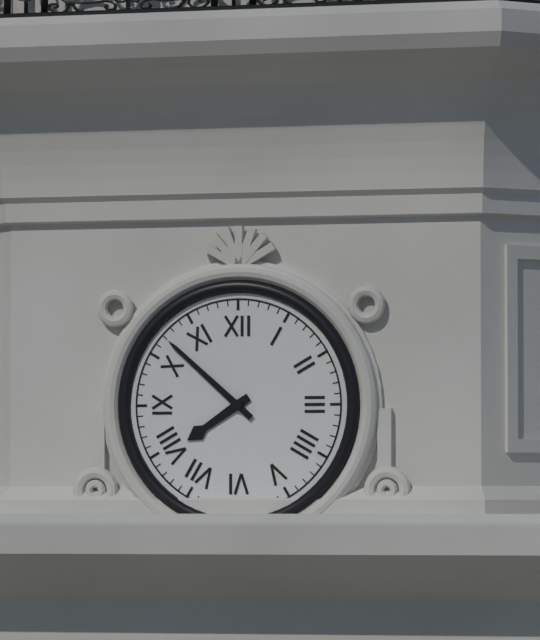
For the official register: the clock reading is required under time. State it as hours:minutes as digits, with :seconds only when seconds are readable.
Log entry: 7:52
